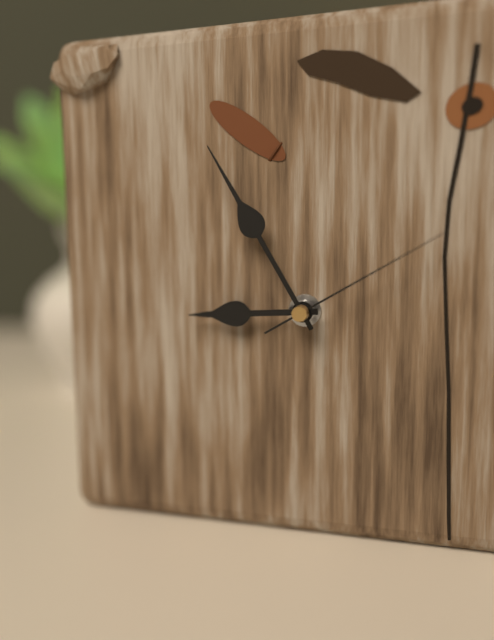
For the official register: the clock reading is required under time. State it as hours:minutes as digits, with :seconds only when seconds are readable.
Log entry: 8:55:10
